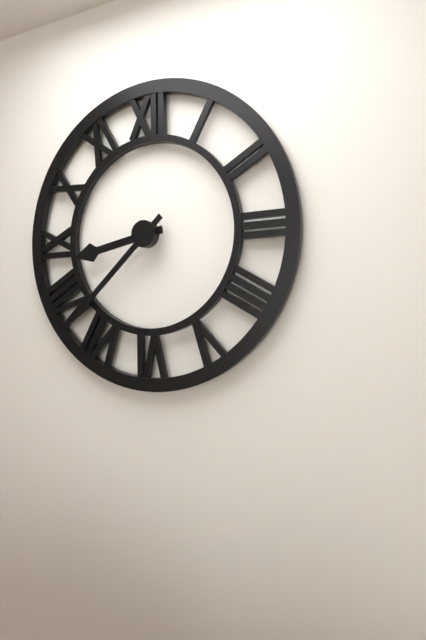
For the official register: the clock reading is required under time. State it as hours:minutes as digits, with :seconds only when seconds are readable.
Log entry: 8:38
